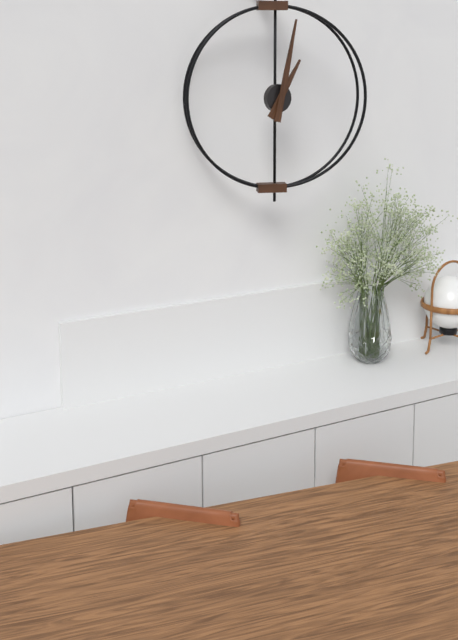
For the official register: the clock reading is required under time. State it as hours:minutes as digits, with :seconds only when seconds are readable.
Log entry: 1:02
